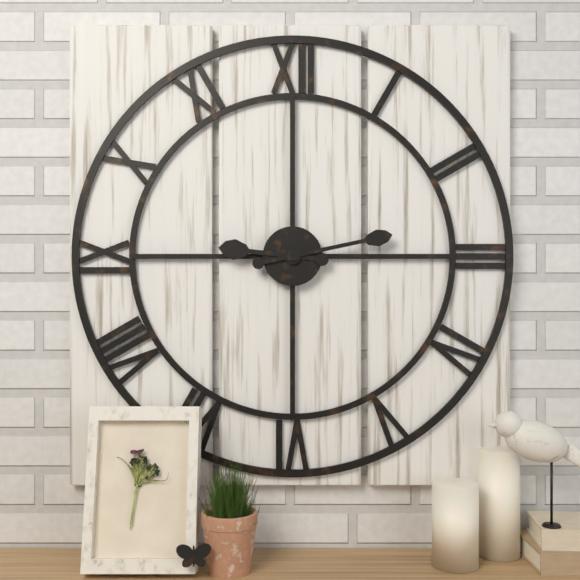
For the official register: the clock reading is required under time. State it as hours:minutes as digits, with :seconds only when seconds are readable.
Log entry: 9:13
